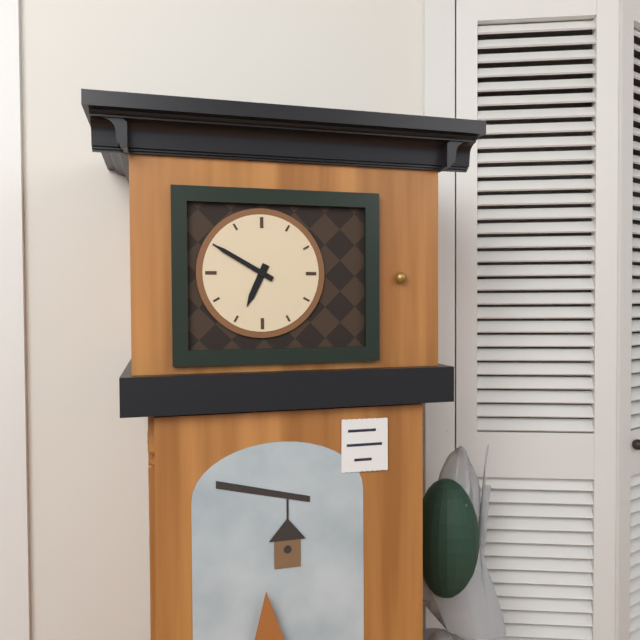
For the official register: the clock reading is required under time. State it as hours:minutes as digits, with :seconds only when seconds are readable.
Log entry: 6:50
